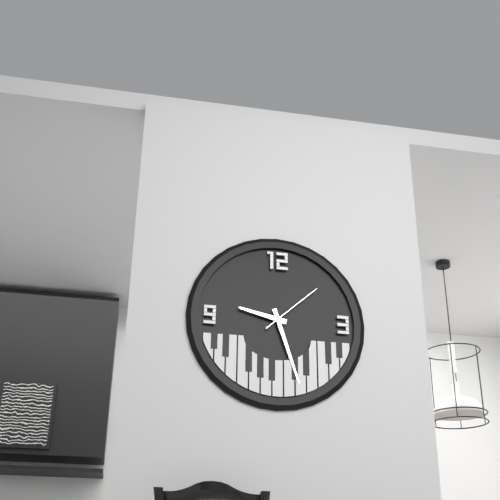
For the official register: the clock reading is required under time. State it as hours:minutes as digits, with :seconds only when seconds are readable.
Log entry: 9:27:08
